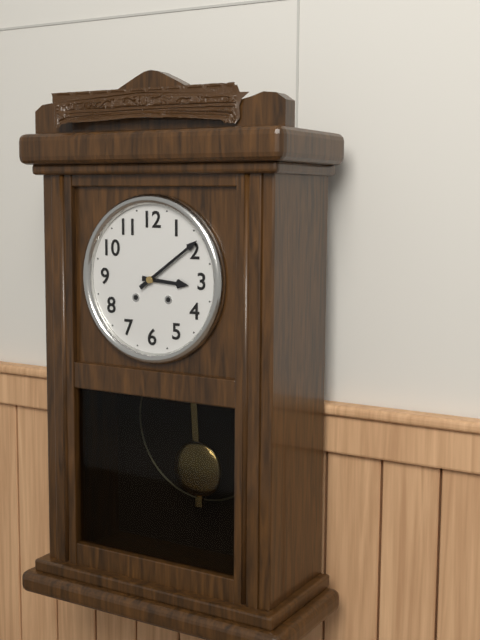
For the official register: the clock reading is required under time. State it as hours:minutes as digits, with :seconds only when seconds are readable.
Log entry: 3:09
